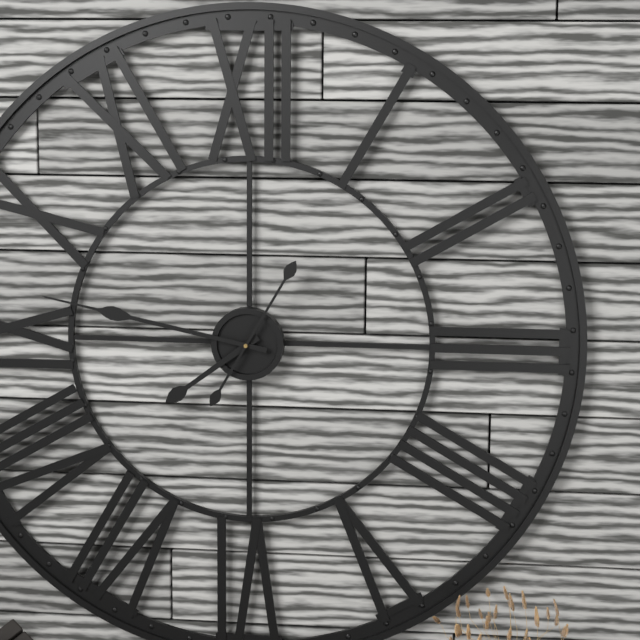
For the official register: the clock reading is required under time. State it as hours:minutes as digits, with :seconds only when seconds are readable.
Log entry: 7:47:05
